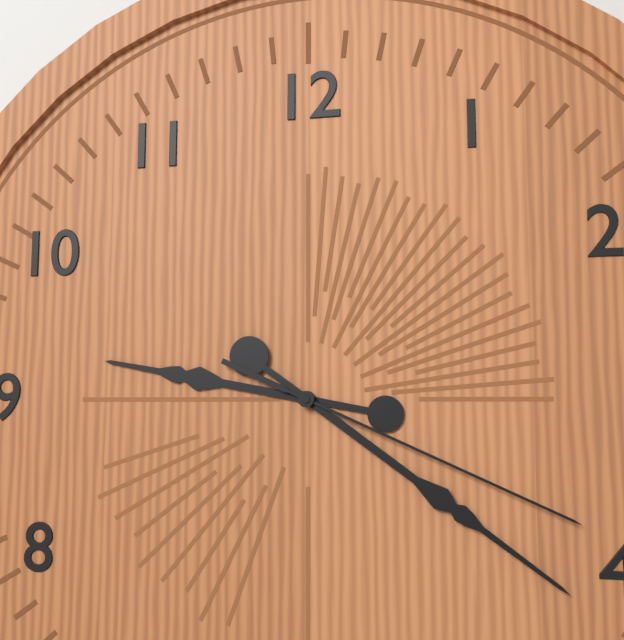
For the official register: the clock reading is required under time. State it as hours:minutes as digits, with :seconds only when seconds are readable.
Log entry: 9:21:19
